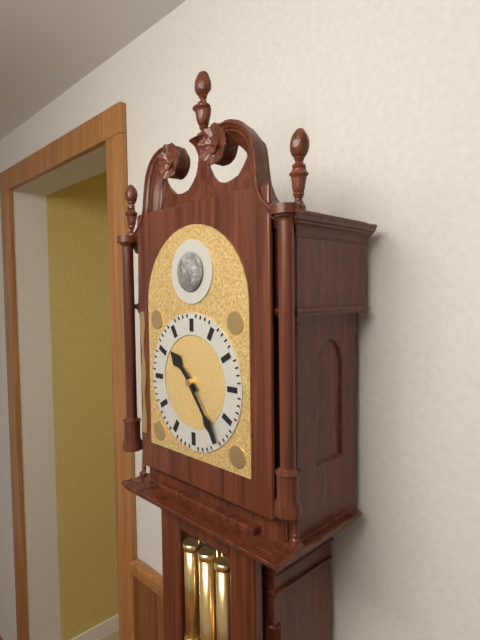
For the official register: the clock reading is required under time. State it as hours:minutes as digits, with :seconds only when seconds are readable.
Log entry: 10:24
